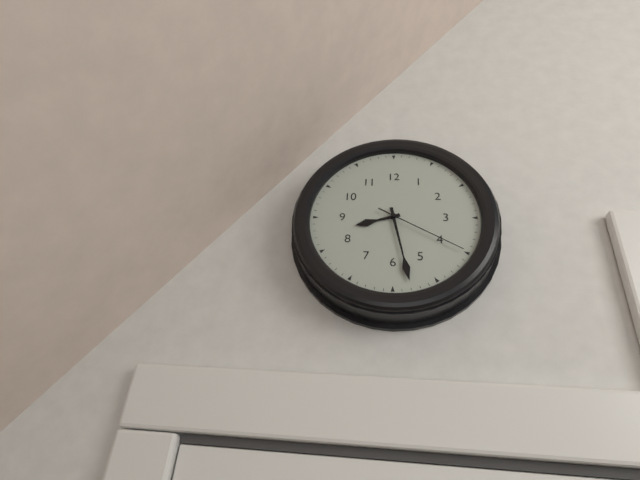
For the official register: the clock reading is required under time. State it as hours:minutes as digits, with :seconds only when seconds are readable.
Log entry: 8:28:20
